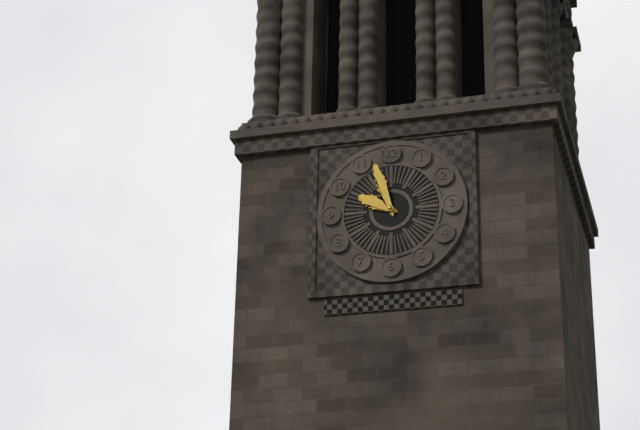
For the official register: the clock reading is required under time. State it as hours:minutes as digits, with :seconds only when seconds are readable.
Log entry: 9:57
